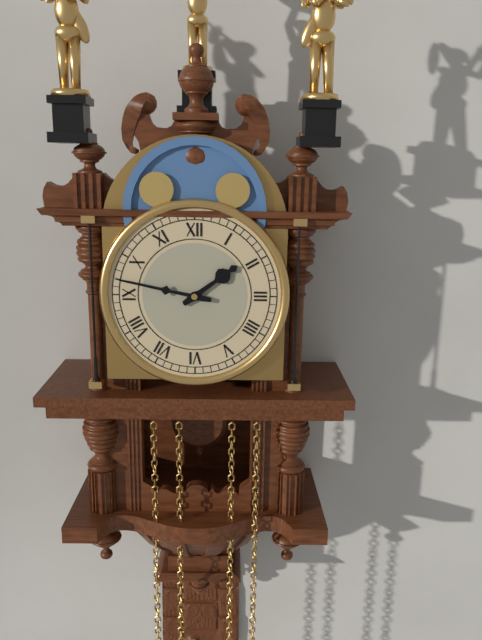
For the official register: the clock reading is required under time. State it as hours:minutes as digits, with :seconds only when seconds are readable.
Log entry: 1:47
